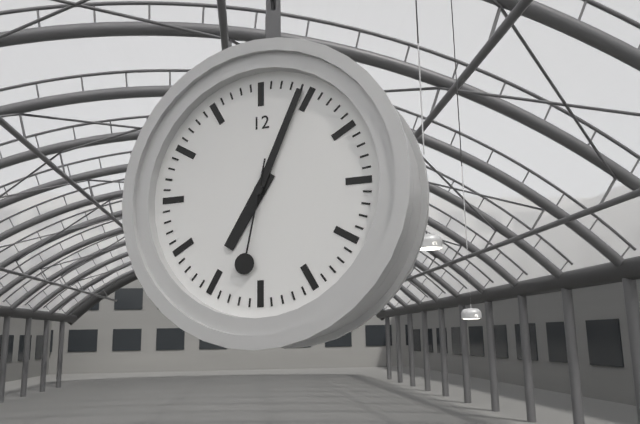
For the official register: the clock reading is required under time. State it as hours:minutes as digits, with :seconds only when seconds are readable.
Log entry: 7:04:32
